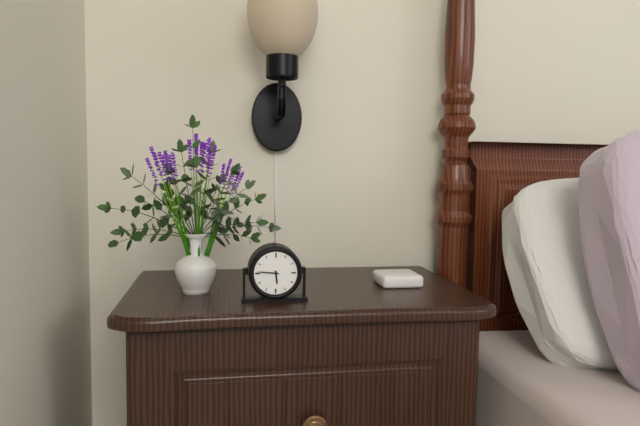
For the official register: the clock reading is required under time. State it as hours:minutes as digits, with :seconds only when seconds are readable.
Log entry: 5:46
